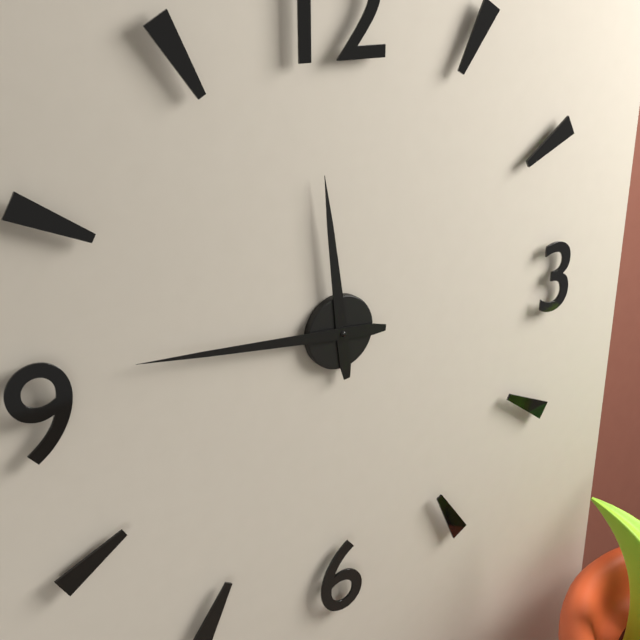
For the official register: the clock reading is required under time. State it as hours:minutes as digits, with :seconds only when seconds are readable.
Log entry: 11:46
